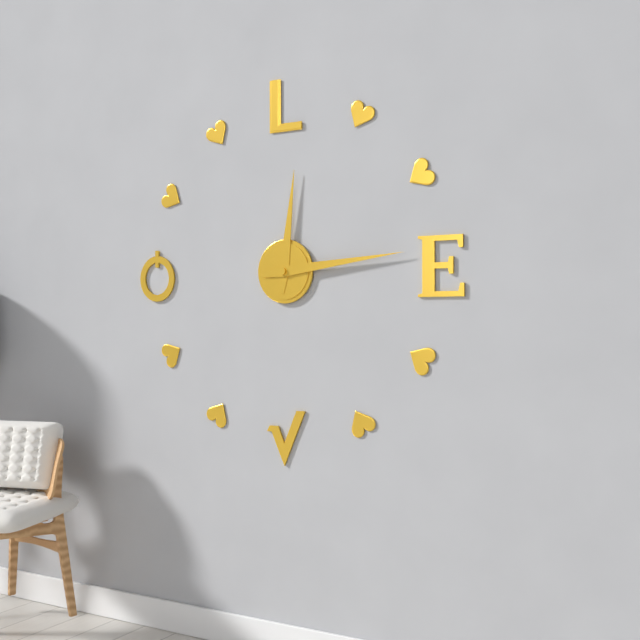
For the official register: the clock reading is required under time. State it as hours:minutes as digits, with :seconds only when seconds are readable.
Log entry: 12:14
